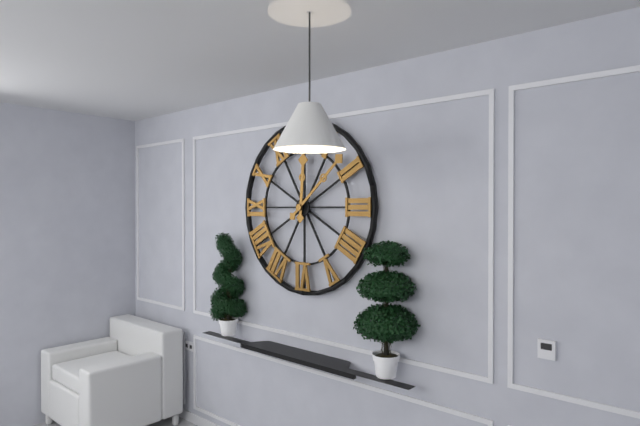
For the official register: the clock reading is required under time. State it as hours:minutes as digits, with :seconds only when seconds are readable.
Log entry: 12:08
